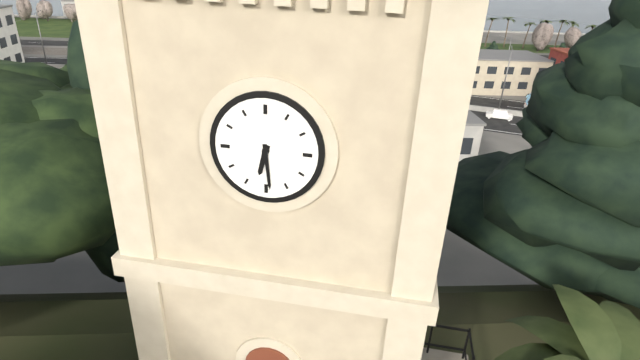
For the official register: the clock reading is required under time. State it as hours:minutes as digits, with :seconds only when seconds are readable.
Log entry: 6:29
